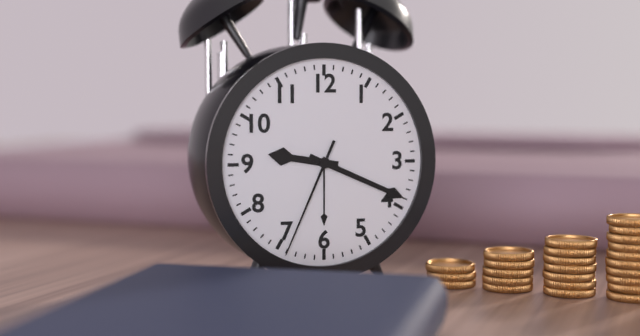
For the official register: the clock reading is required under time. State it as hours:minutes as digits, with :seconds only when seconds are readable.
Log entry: 9:19:34
